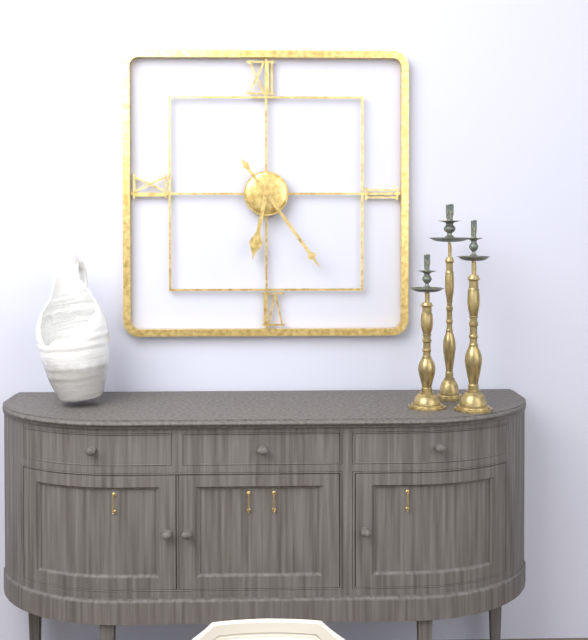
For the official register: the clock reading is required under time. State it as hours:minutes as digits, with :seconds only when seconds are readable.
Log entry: 6:24
